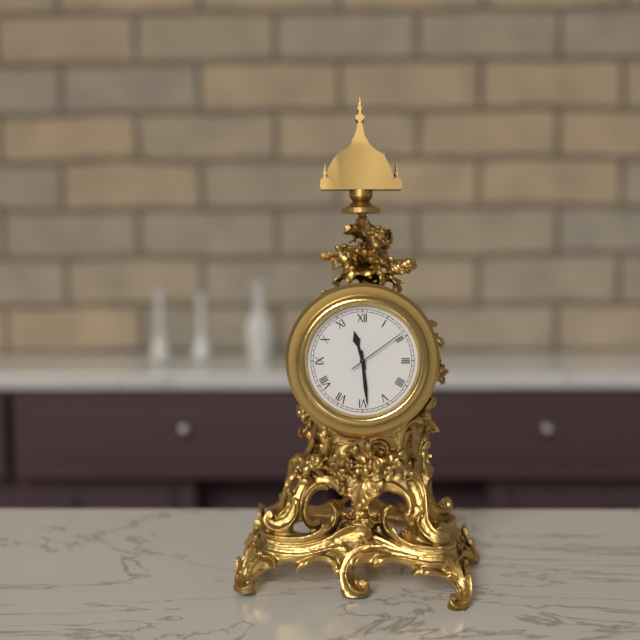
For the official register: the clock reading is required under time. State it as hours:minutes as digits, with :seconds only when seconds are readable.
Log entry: 11:29:09
